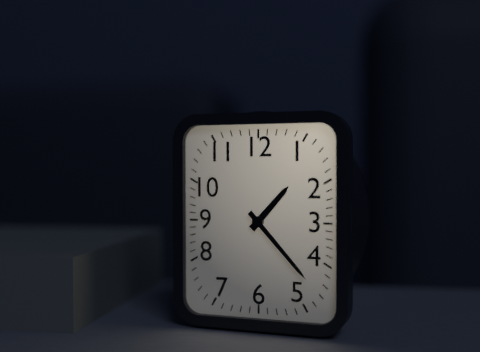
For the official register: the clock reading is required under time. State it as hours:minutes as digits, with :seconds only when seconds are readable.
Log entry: 1:23
